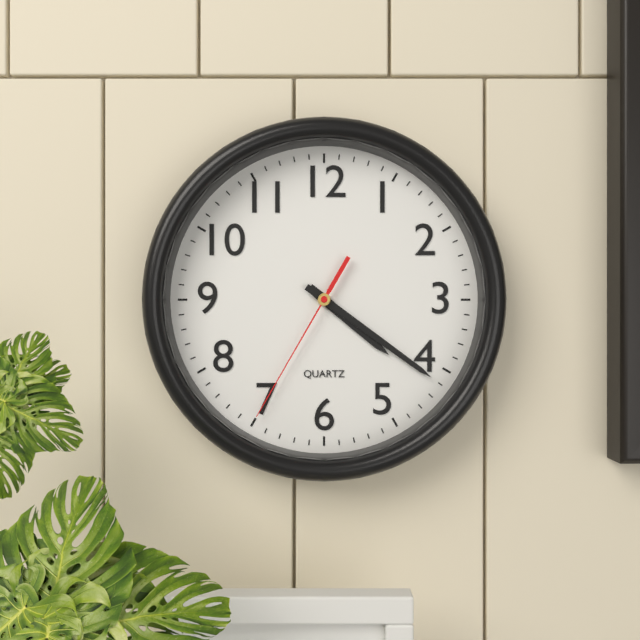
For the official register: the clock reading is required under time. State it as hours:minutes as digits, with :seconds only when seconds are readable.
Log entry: 4:21:35
